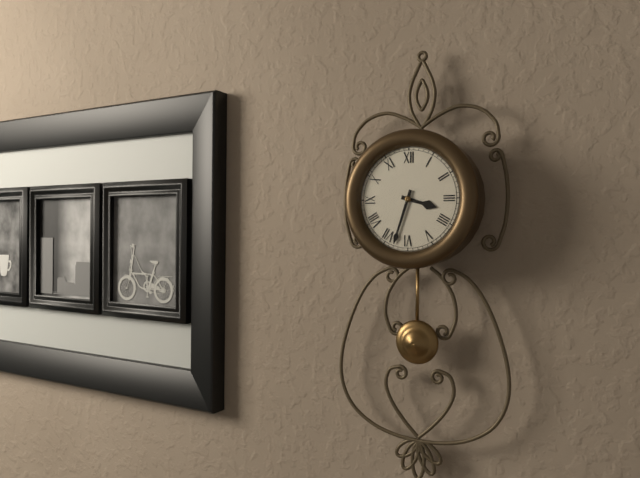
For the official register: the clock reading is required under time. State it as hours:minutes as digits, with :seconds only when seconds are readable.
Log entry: 3:33
